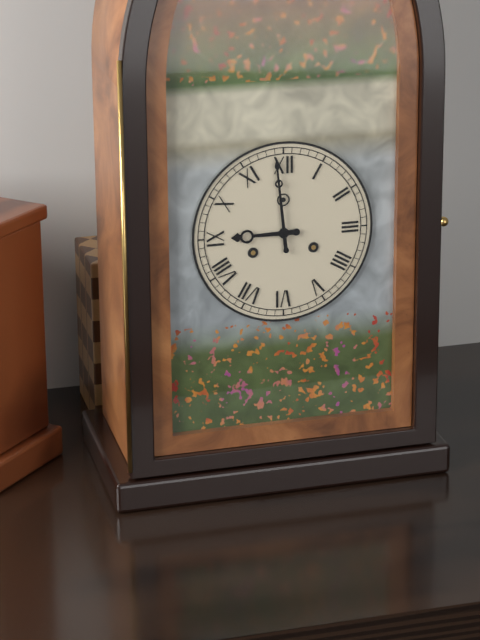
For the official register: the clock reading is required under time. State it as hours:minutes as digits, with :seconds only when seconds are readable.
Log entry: 8:59
